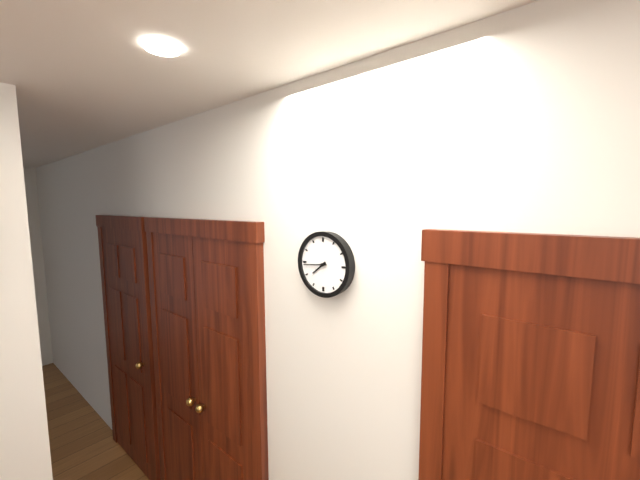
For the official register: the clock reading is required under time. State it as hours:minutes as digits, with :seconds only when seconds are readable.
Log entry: 7:44
